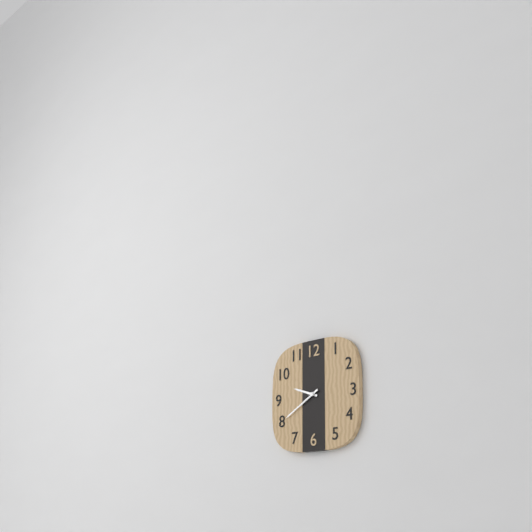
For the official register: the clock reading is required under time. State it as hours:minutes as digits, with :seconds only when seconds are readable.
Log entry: 9:40
